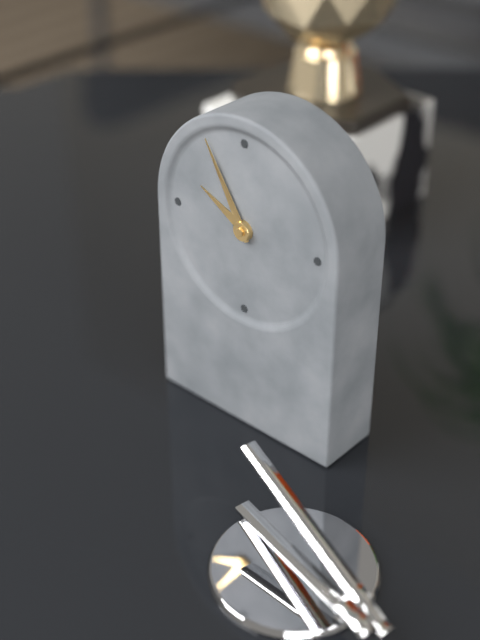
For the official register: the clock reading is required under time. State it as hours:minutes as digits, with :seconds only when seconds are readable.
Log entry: 9:55
